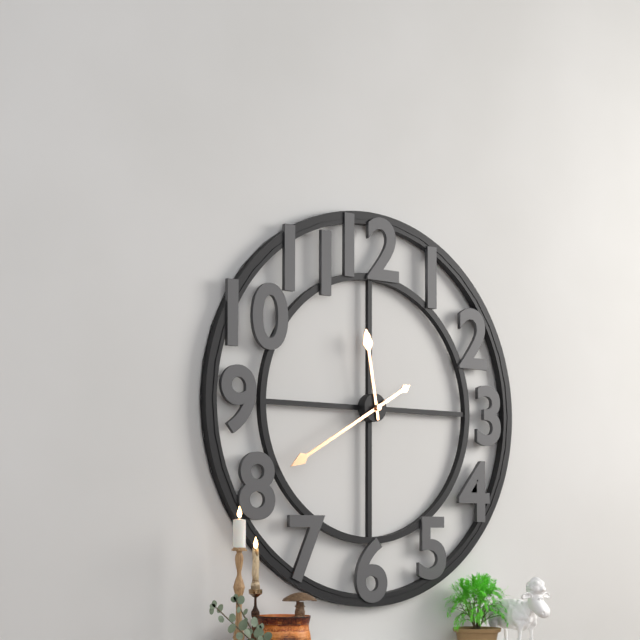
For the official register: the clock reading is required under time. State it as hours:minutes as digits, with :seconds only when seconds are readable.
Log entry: 11:40
